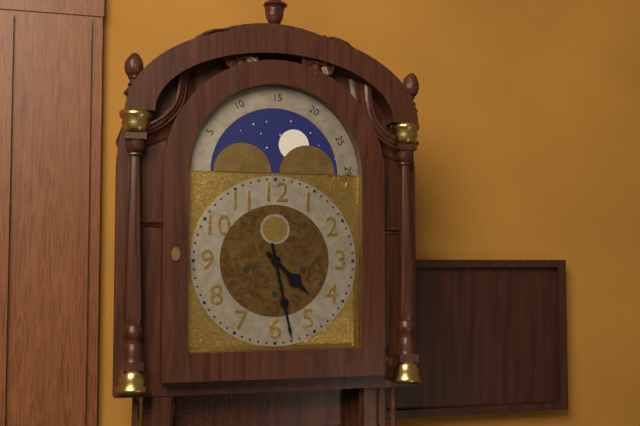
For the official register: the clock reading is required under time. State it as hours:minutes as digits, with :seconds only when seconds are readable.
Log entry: 4:28
